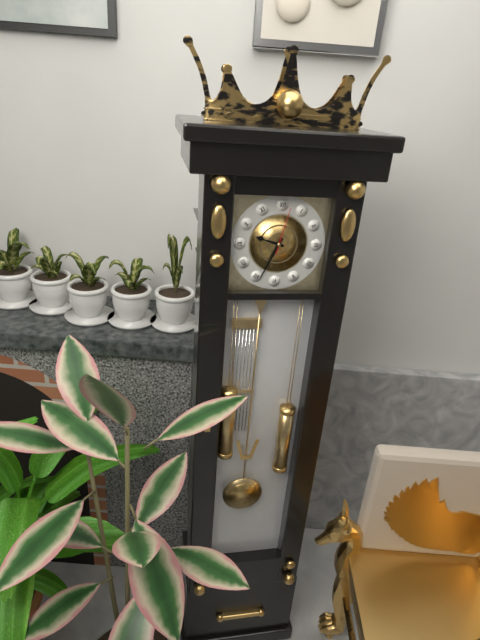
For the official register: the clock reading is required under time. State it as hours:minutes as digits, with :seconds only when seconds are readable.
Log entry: 9:34
